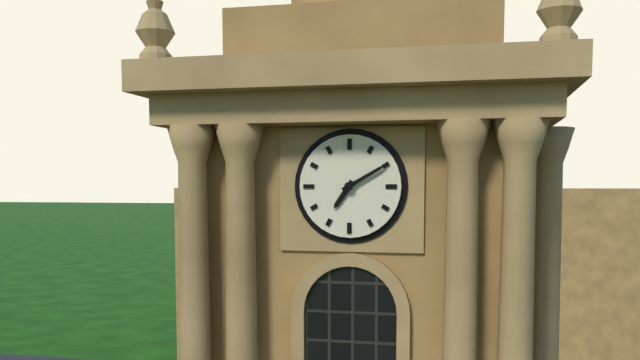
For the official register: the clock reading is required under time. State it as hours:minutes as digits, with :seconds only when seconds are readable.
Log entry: 7:10
